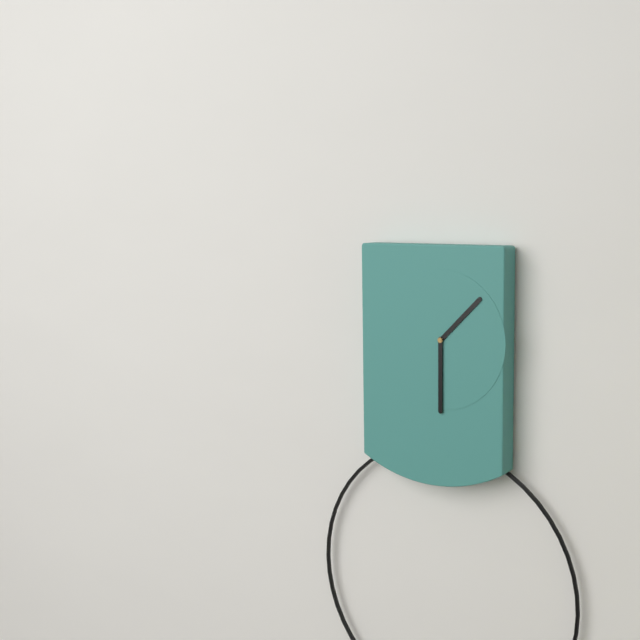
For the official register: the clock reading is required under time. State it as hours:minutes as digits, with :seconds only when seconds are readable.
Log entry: 1:30
